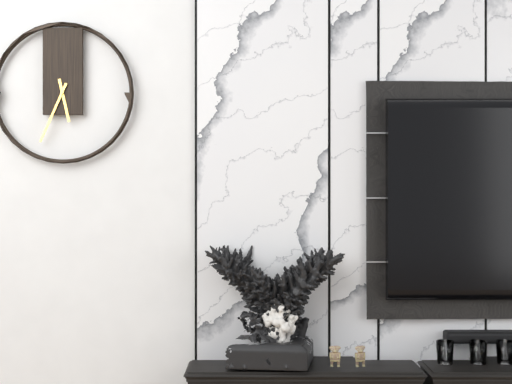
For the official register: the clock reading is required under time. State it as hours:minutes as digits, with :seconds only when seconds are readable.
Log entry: 5:34
